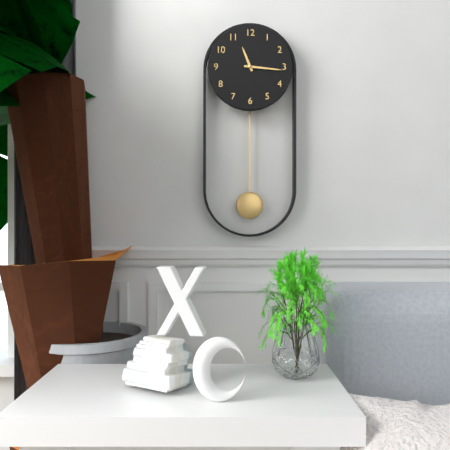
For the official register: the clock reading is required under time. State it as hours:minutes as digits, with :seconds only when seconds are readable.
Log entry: 11:16
